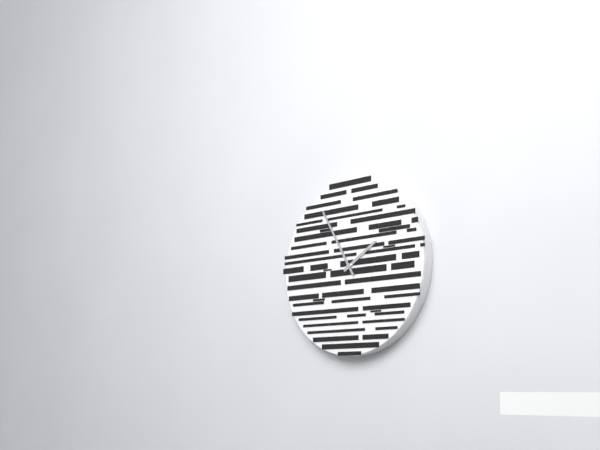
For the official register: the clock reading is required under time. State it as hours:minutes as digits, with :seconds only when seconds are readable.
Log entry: 1:55
